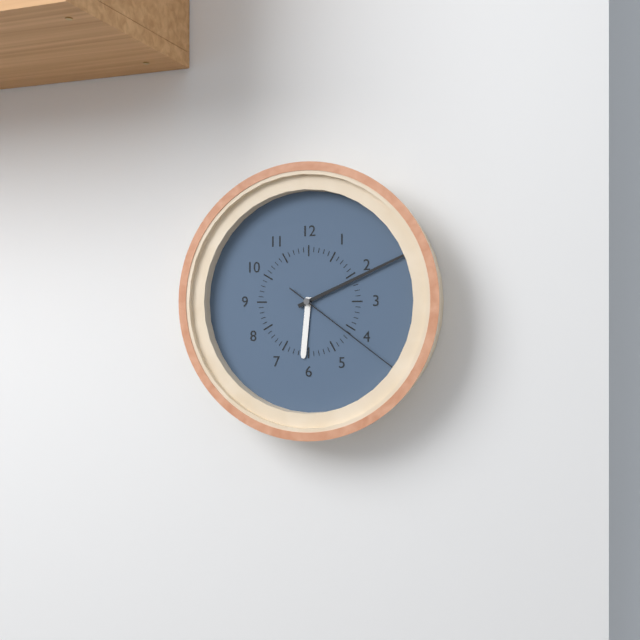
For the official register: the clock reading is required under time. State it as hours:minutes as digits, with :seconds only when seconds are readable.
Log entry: 6:11:21
